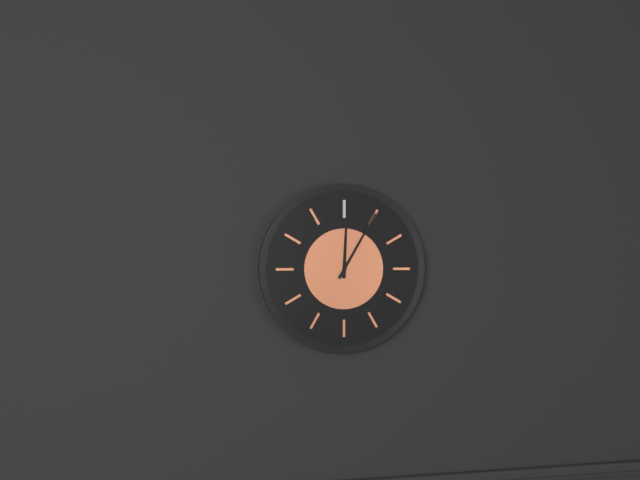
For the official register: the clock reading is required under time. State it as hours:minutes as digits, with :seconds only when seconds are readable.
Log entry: 12:05
